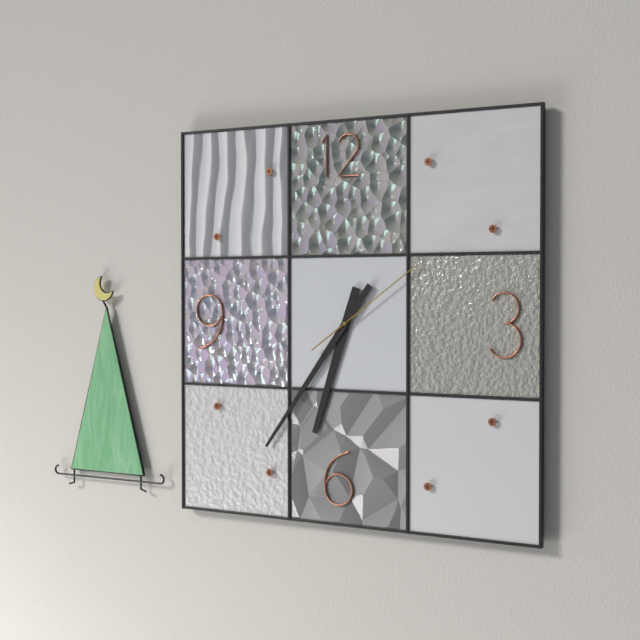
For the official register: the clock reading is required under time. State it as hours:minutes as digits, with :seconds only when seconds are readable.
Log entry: 6:36:09
